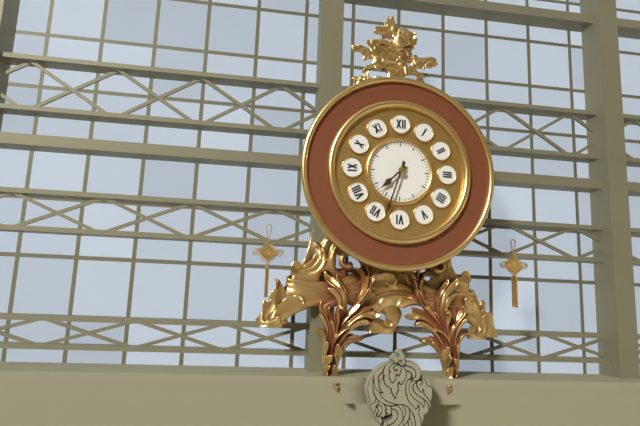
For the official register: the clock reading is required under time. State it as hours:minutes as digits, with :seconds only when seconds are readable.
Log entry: 7:33
